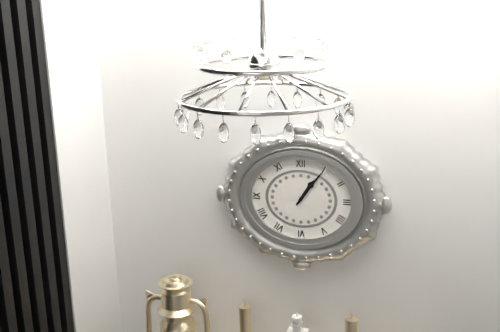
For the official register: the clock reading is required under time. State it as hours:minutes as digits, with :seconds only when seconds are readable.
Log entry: 1:06
